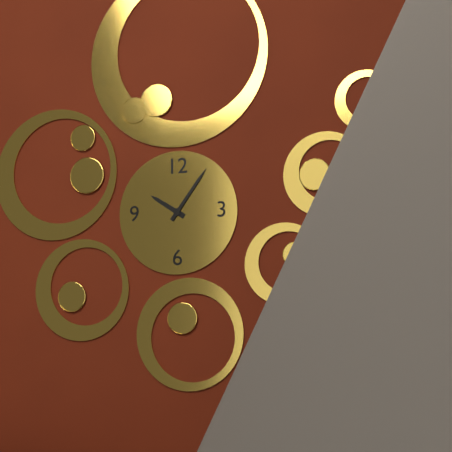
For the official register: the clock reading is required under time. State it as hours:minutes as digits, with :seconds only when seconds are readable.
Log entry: 10:06
